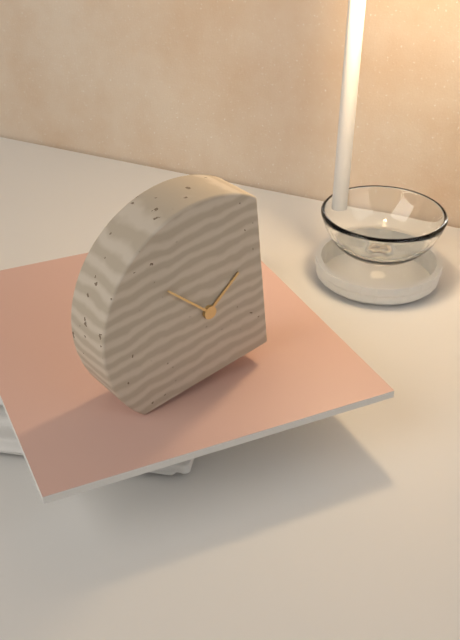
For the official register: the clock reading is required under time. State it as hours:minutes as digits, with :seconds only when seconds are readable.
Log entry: 1:53
